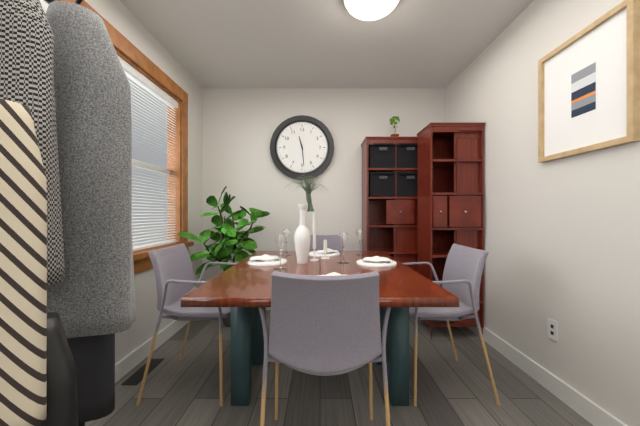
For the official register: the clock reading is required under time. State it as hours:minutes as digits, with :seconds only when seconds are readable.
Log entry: 11:29
